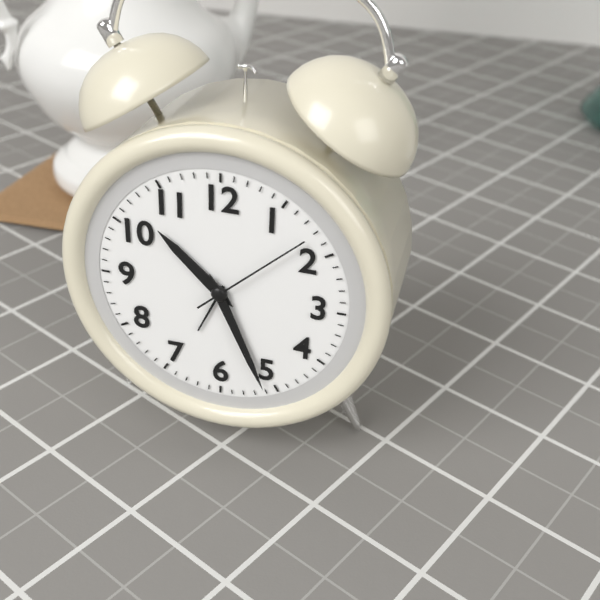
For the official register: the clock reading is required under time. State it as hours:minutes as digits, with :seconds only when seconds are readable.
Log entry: 10:26:08
